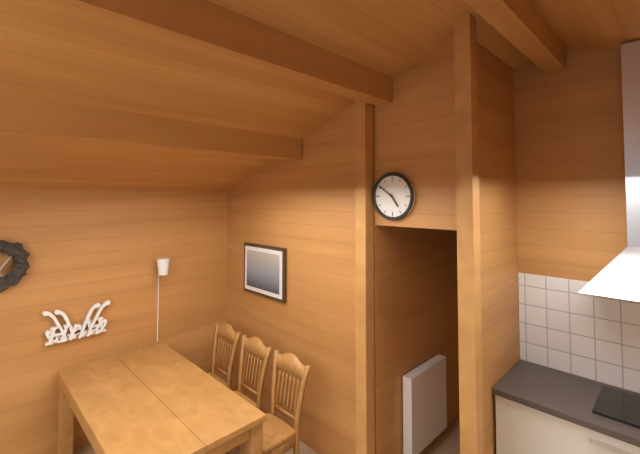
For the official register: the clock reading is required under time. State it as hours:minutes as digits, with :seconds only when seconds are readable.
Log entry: 4:51
